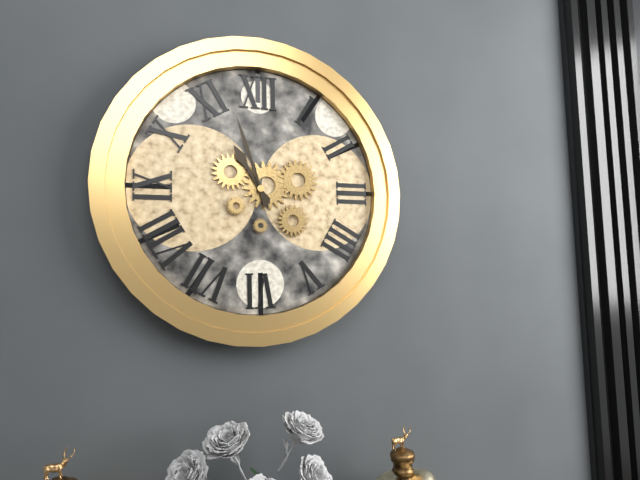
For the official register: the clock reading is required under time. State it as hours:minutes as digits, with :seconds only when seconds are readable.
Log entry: 10:57
